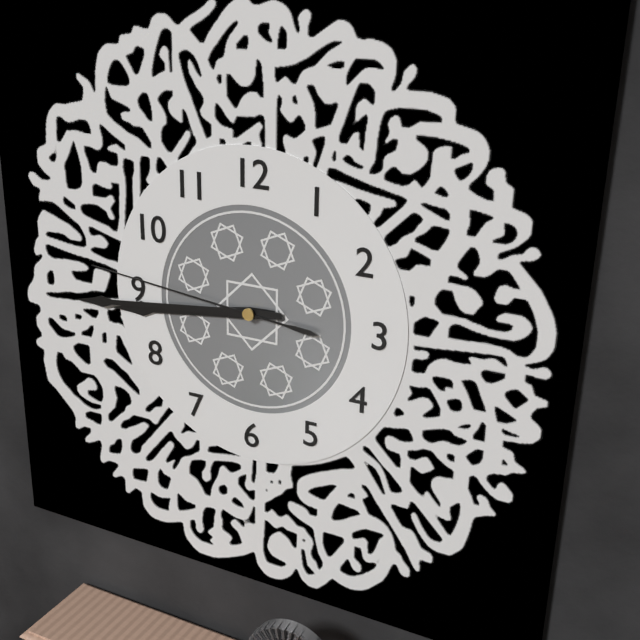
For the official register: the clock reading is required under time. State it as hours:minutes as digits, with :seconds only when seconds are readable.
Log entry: 8:44:46
